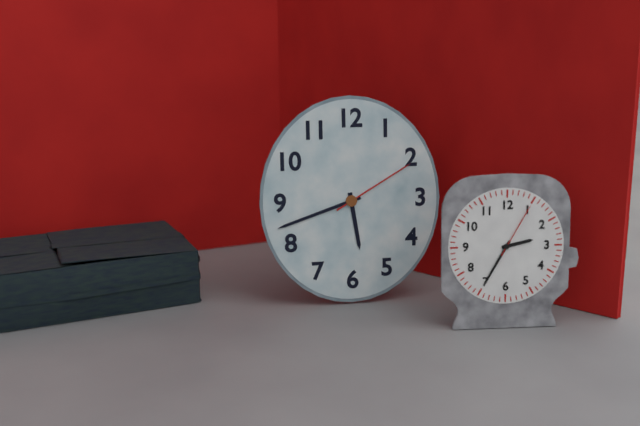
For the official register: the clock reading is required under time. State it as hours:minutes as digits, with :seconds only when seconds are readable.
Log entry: 5:42:10
